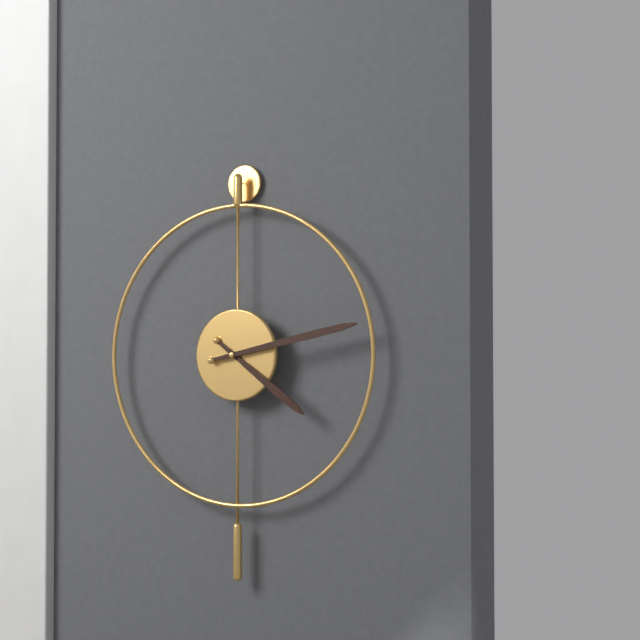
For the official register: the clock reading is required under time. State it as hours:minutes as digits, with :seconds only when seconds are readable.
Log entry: 4:13
